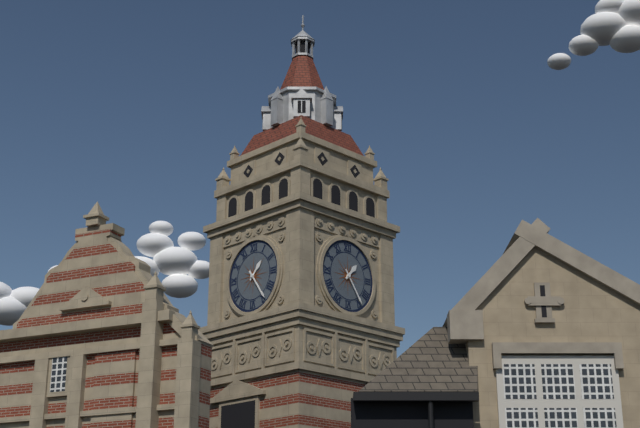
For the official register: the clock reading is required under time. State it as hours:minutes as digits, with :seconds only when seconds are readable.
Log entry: 1:24
